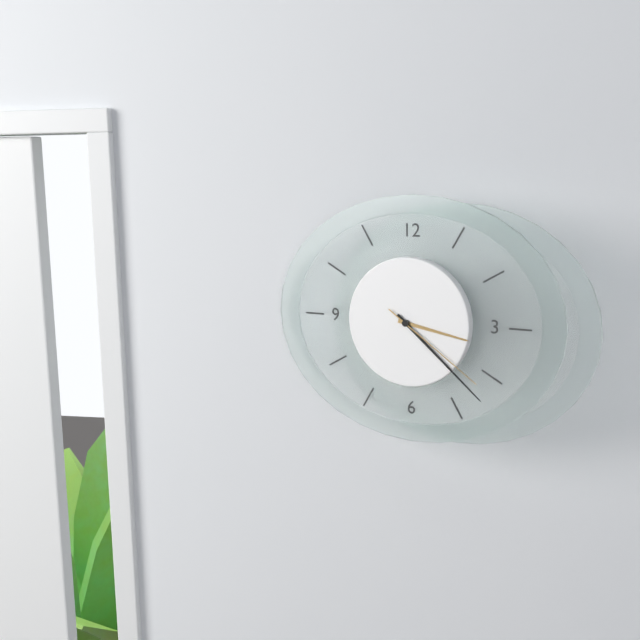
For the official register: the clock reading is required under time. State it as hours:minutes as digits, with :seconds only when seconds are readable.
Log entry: 3:22:21
